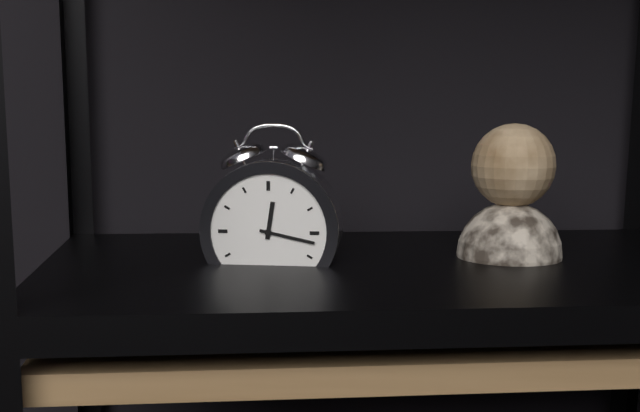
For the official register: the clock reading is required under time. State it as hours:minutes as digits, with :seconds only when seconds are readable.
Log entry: 12:17
